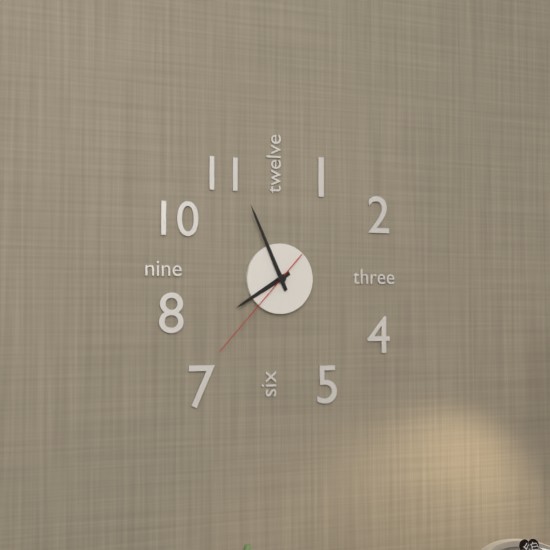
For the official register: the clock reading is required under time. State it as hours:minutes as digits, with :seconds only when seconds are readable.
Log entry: 7:56:37
